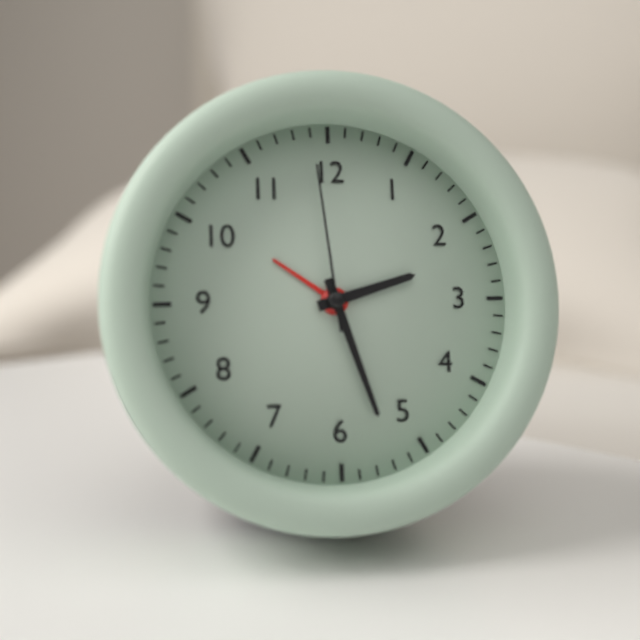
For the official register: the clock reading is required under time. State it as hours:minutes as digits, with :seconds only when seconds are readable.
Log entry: 2:27:59
